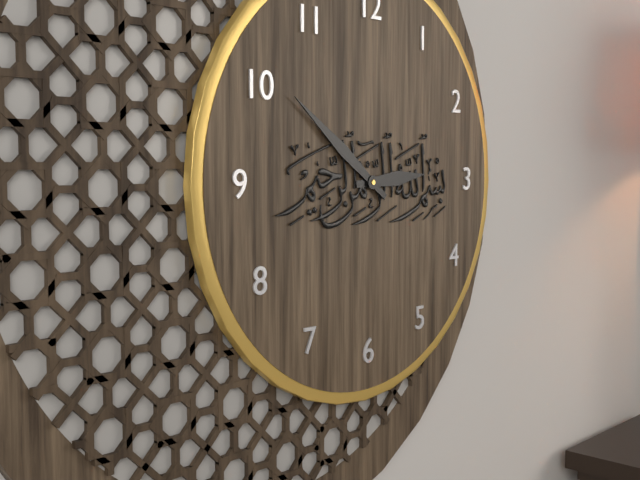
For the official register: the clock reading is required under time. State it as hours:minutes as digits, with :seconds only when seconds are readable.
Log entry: 2:51
